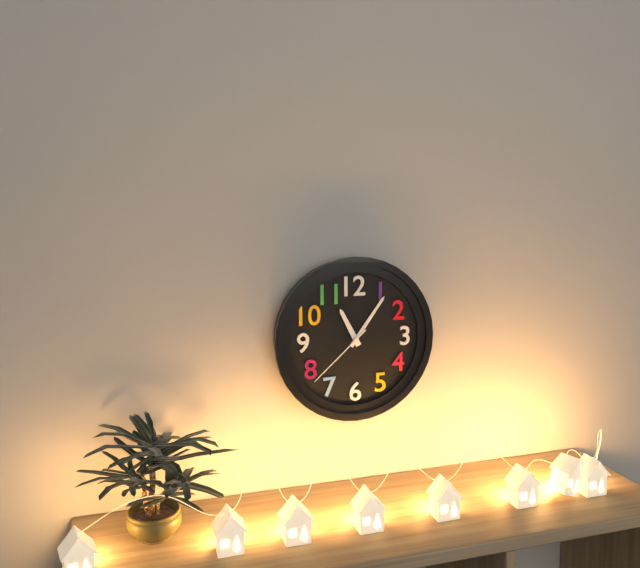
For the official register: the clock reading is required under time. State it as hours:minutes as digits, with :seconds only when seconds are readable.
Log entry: 11:06:38
